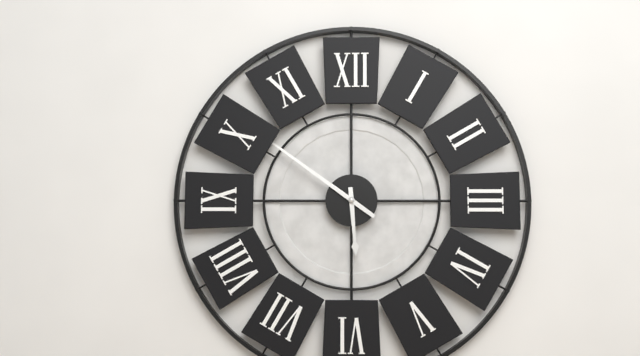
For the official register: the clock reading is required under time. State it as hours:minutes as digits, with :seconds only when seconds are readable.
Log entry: 5:51
